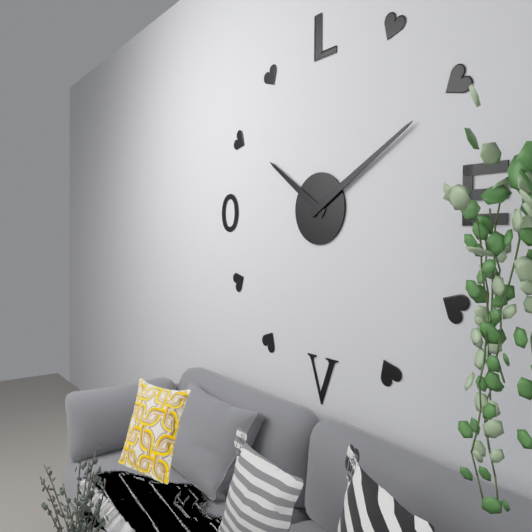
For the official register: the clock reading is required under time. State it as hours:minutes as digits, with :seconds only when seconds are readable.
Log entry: 10:10
